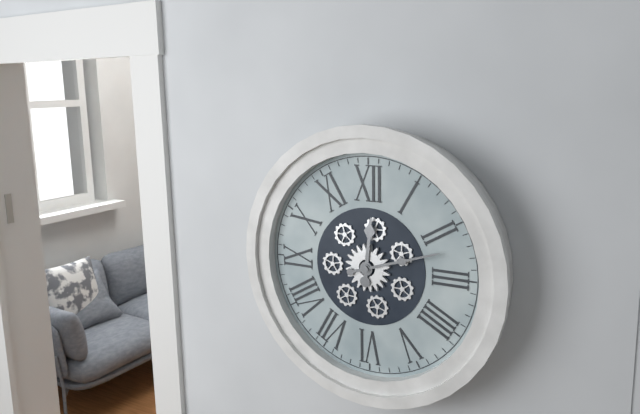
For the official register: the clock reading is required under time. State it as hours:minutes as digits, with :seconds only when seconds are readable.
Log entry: 12:12
